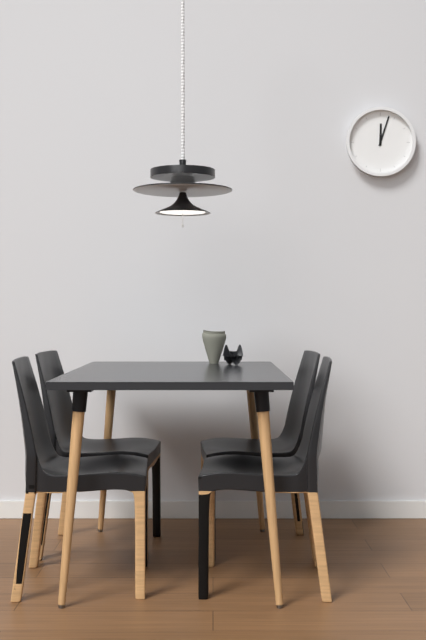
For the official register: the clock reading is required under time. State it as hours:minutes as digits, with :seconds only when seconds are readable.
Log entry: 12:03
